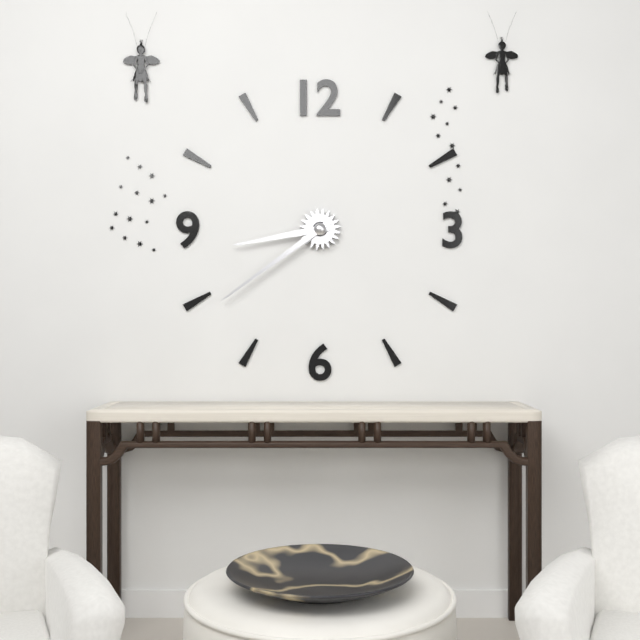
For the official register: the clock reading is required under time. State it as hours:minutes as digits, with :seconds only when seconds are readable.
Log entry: 8:39
